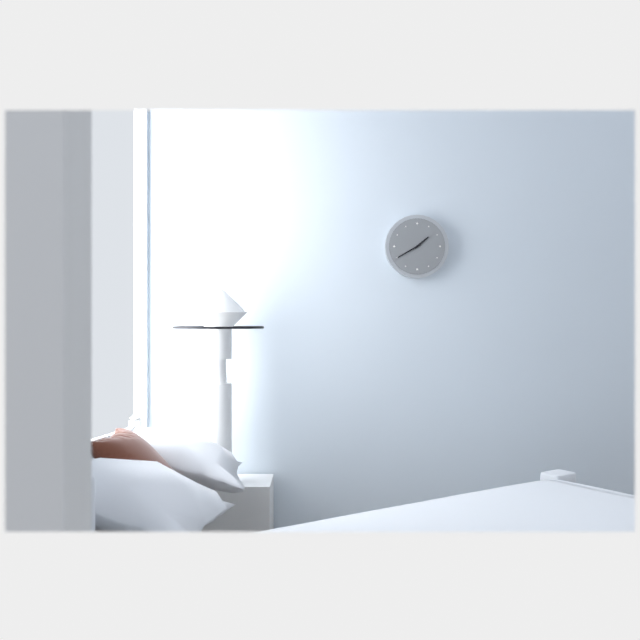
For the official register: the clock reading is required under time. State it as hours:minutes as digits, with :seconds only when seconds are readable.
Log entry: 1:40
